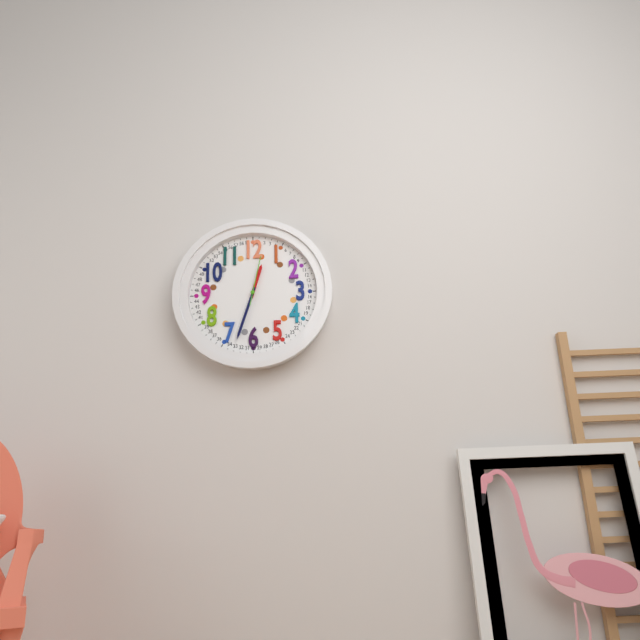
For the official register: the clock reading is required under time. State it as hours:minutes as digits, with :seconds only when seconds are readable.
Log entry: 12:33:02
